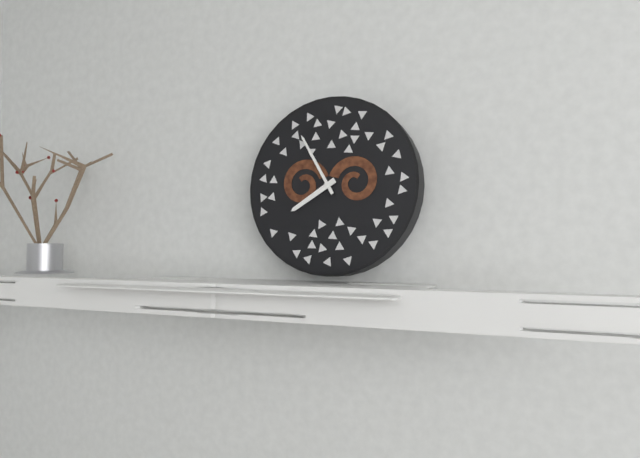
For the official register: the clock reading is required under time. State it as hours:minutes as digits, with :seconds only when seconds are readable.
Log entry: 7:55
